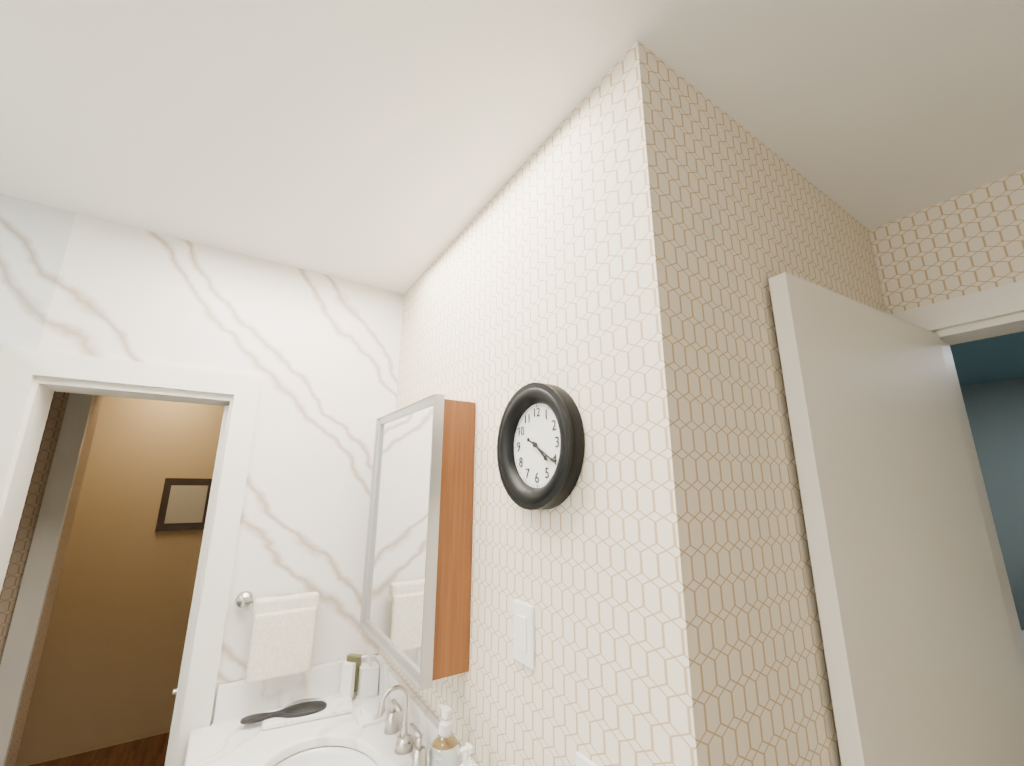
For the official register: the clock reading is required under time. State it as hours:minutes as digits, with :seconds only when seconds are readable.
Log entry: 4:20
